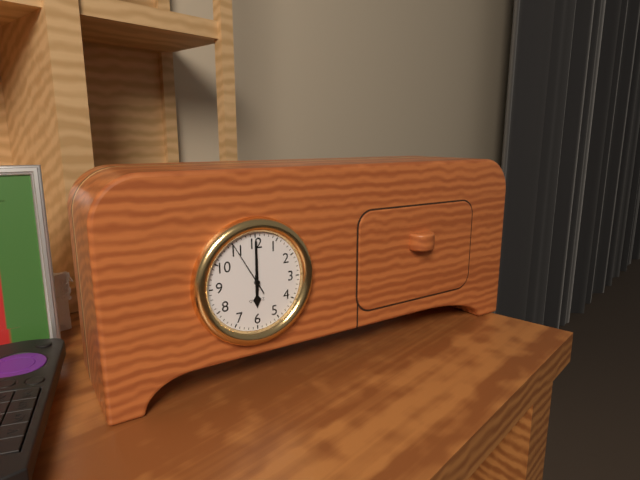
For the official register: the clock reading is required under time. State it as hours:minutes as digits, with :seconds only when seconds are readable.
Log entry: 6:00:55
